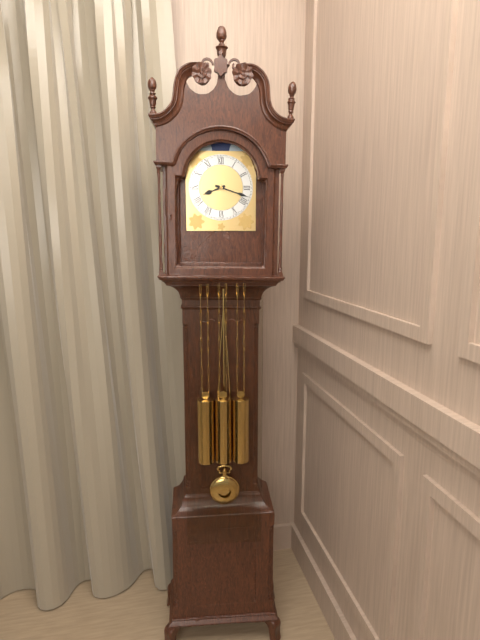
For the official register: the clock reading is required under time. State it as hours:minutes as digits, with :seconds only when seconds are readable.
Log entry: 8:18
